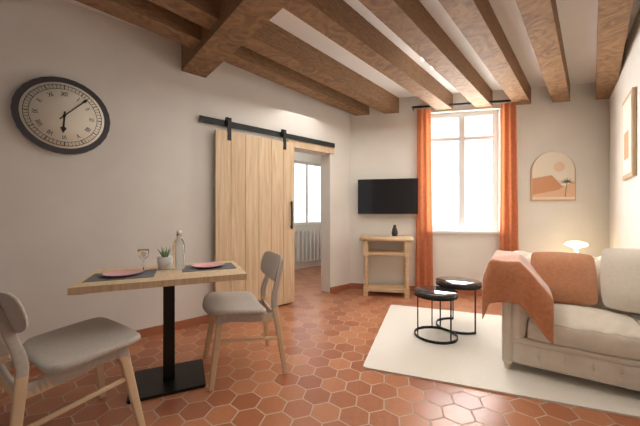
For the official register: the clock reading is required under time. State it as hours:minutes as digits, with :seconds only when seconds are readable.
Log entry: 6:07
